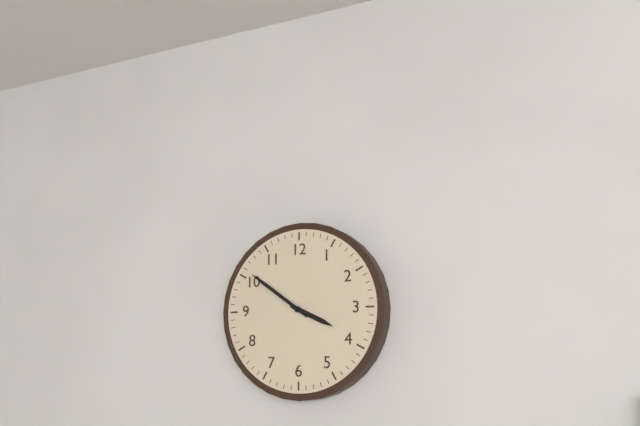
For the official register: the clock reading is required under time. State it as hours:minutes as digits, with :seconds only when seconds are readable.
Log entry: 3:51
